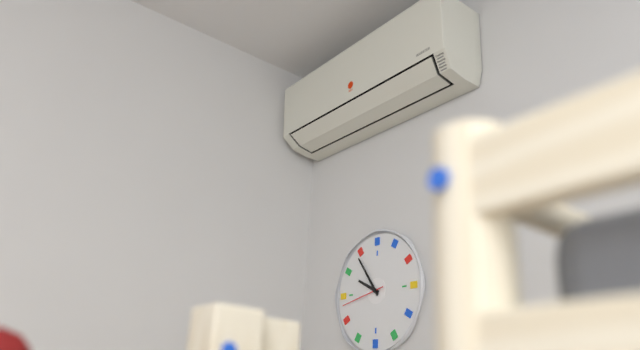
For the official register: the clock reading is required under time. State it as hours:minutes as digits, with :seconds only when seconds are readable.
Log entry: 9:54
